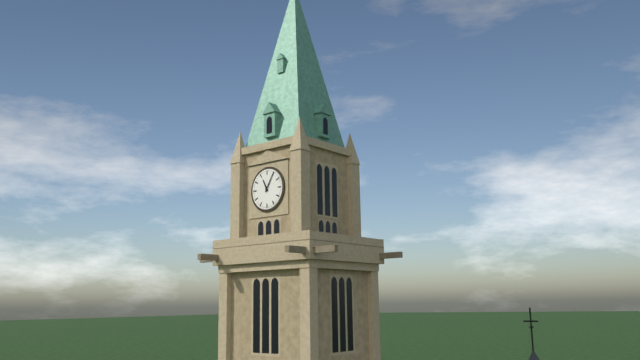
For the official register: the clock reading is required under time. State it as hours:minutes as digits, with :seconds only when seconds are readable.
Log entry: 11:05
